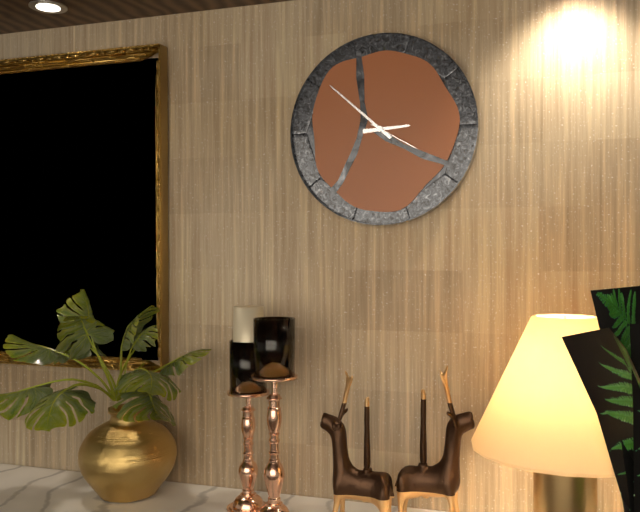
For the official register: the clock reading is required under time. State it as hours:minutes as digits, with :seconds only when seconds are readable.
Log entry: 2:52:20
